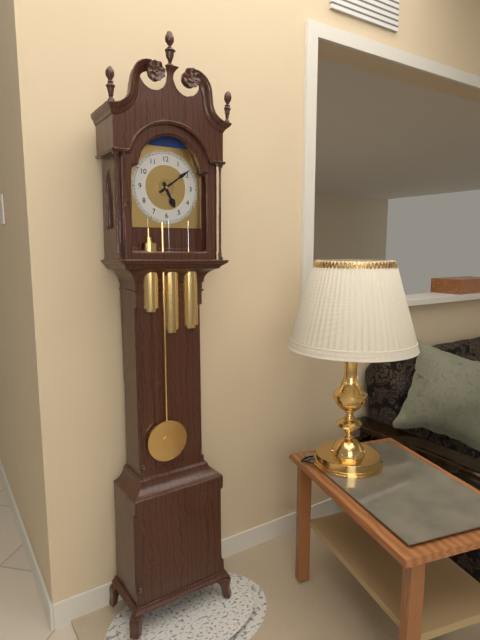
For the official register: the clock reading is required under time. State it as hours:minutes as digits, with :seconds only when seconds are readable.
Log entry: 5:09
